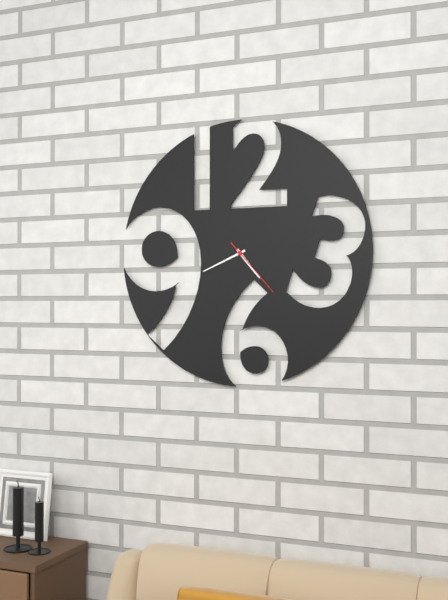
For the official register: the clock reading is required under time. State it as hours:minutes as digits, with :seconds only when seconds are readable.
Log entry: 4:41:23
